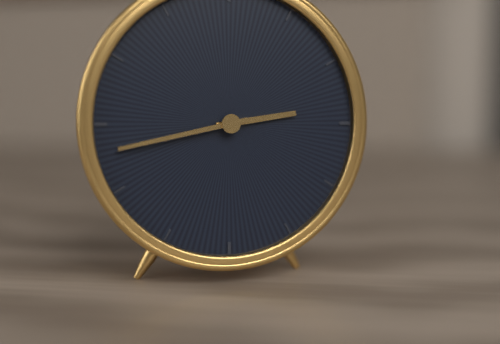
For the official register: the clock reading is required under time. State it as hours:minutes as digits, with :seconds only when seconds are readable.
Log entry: 2:43
